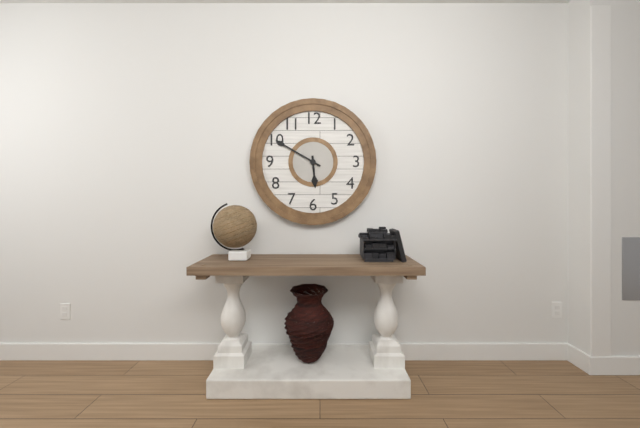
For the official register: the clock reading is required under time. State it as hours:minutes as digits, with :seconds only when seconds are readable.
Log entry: 5:50
